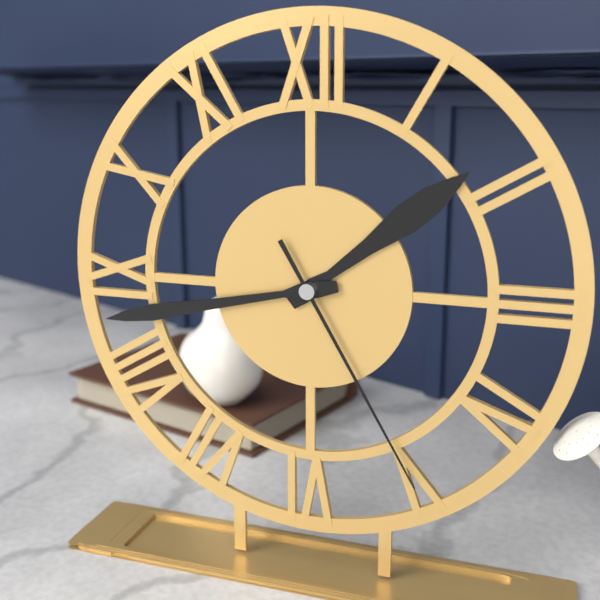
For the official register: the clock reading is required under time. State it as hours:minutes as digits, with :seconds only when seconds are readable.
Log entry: 1:43:25
